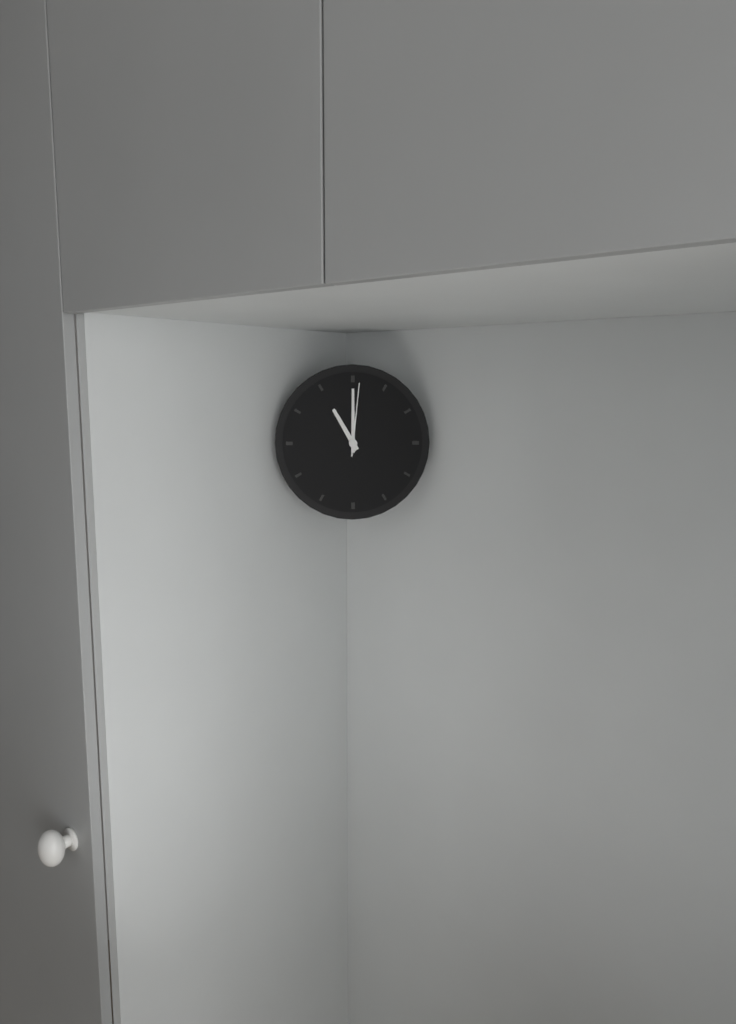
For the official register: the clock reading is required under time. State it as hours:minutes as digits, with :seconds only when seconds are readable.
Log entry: 11:00:01
